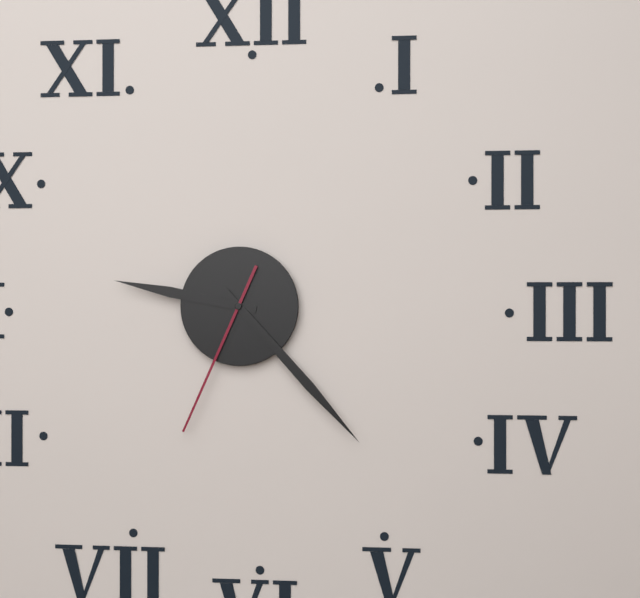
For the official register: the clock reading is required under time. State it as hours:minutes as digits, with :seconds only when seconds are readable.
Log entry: 9:23:34
